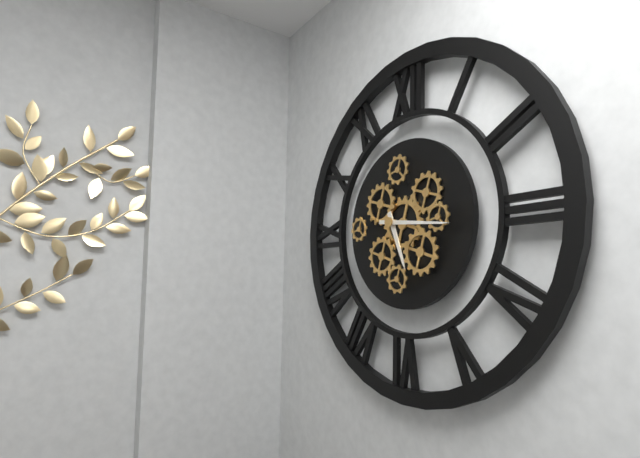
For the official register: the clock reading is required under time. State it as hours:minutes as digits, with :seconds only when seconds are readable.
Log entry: 5:16
